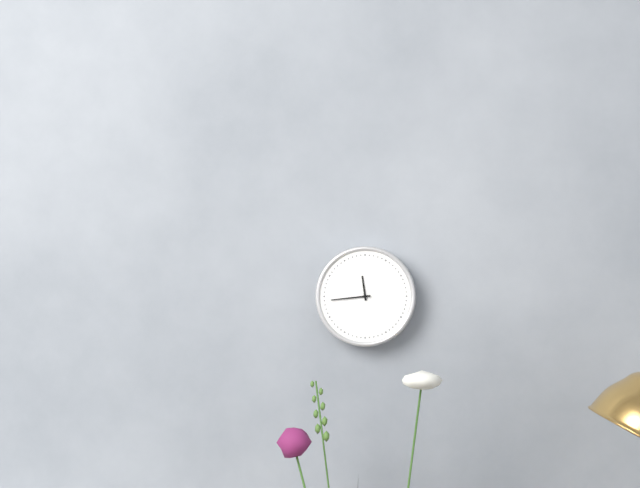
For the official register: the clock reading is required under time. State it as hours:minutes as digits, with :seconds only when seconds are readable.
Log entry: 11:44
